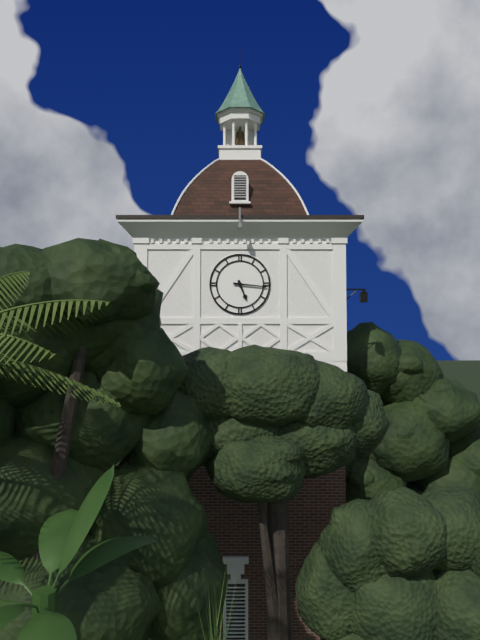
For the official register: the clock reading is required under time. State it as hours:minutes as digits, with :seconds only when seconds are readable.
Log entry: 5:16
